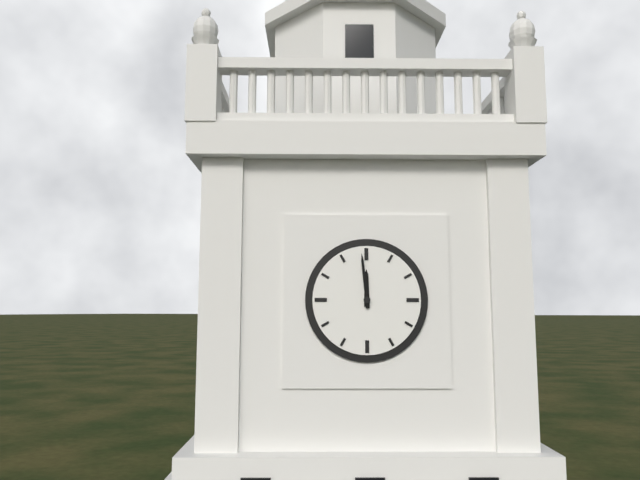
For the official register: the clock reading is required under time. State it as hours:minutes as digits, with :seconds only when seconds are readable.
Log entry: 11:59
